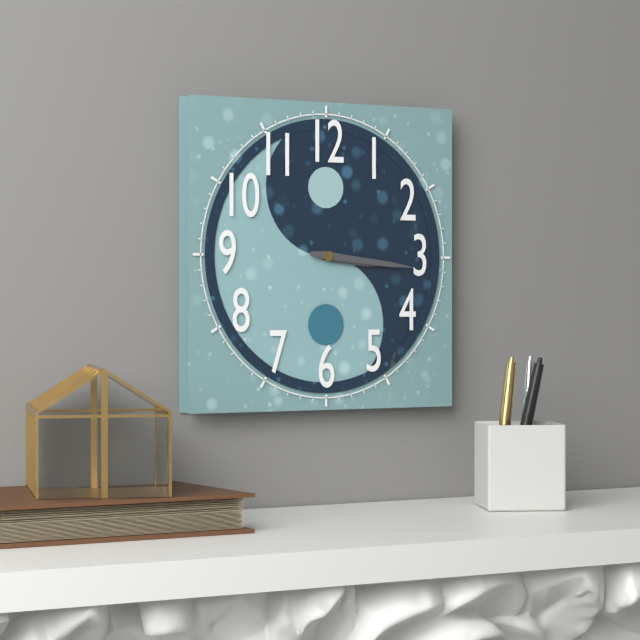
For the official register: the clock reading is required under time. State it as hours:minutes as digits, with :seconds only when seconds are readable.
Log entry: 3:16
